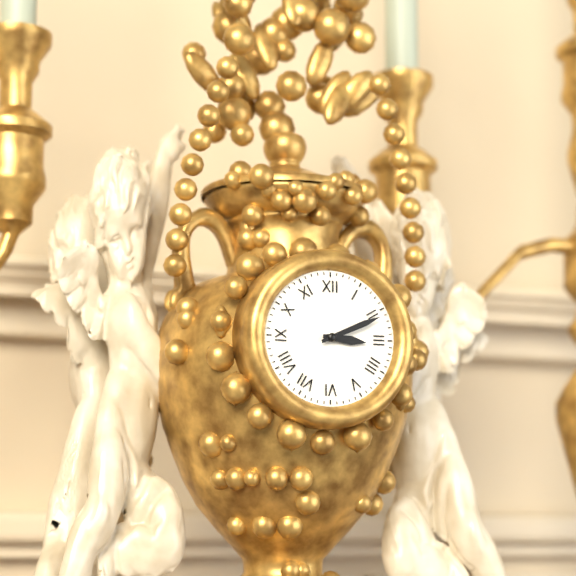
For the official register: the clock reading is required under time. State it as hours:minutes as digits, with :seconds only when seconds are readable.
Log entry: 3:11
